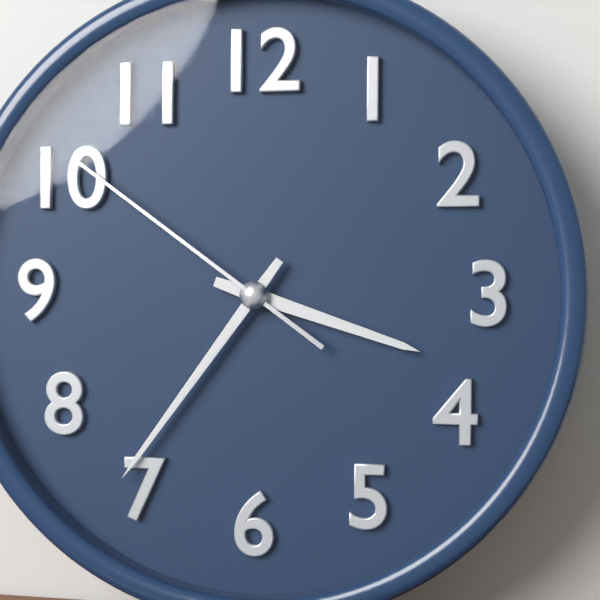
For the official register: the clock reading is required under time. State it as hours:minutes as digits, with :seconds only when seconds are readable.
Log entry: 3:36:51
